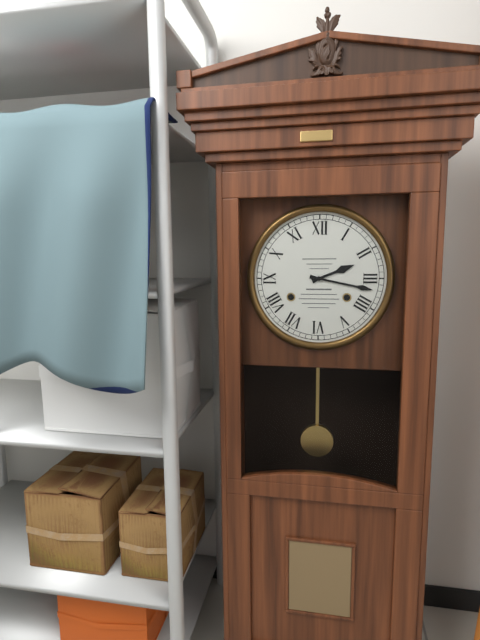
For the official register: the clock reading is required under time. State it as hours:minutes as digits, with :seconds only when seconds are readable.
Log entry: 2:17
